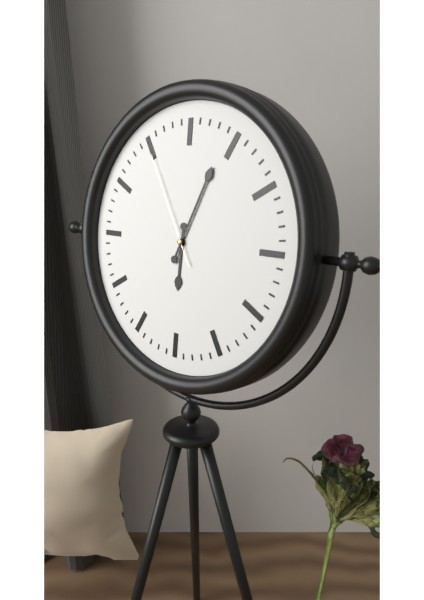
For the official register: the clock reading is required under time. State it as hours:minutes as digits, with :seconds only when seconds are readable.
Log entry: 6:04:55
